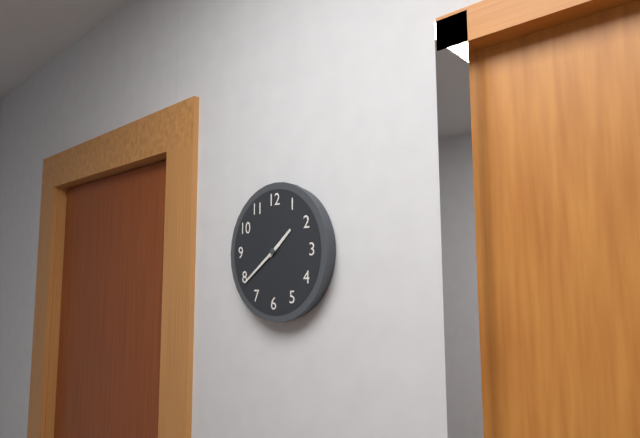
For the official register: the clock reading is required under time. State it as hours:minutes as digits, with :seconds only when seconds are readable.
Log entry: 1:39
